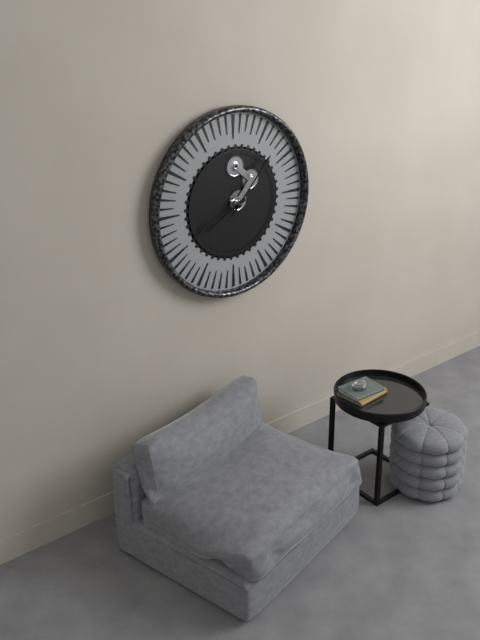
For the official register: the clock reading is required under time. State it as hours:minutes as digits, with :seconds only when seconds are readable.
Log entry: 8:07
